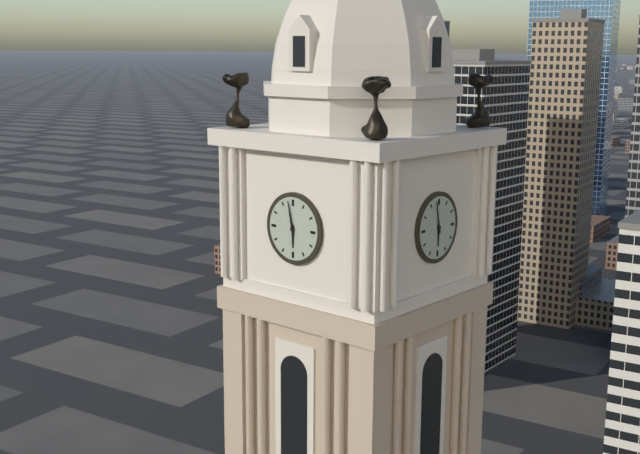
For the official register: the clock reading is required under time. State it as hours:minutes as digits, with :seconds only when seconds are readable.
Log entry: 5:58
